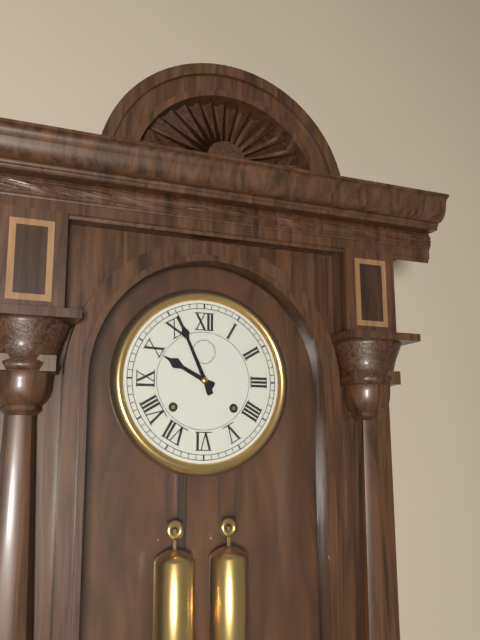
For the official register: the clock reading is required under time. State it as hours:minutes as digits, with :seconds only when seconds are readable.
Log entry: 9:56
